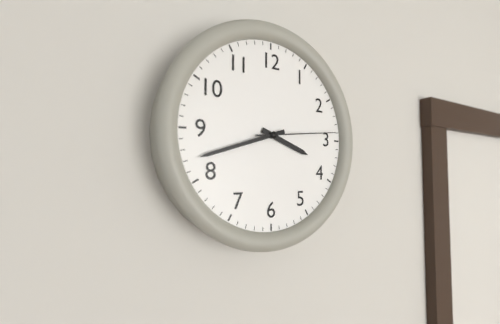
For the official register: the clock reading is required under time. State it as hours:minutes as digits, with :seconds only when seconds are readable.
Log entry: 3:42:14
